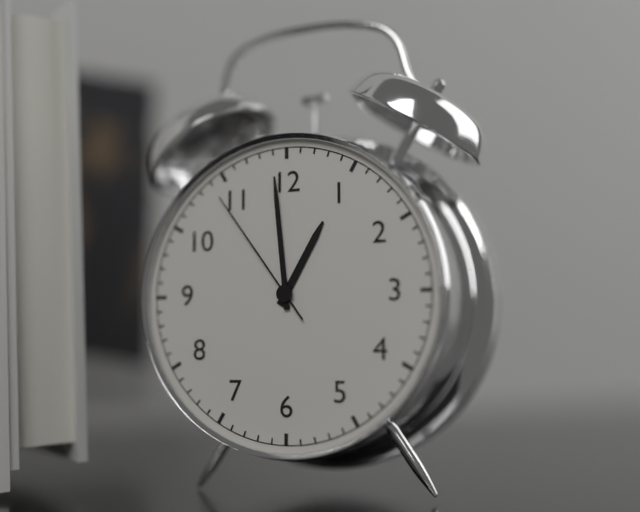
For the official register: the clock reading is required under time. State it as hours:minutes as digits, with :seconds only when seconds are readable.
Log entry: 12:59:54
